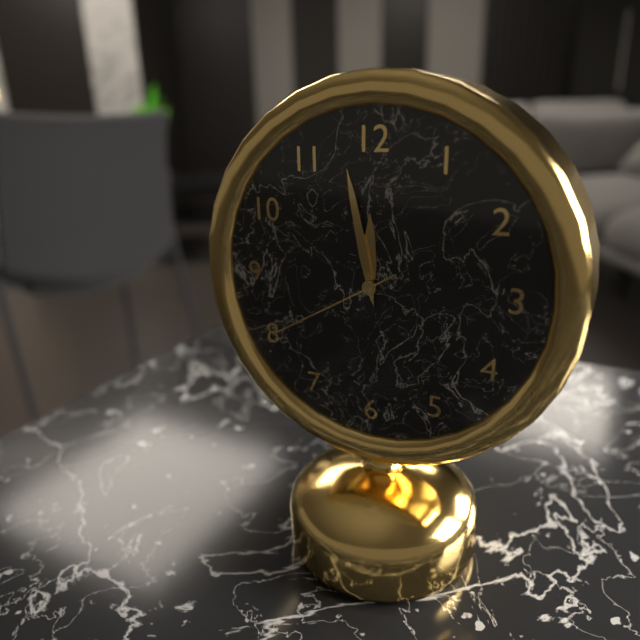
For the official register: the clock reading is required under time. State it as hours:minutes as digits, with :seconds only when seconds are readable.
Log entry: 11:58:40
